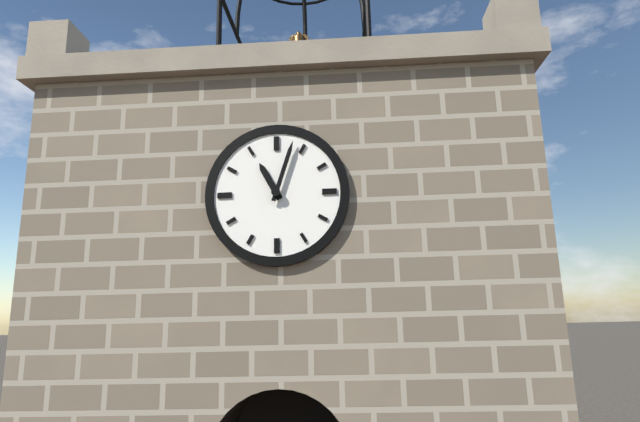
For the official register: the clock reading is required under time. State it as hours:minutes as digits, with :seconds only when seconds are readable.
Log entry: 11:03
